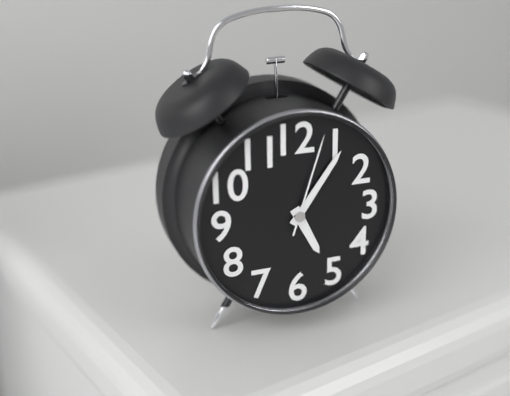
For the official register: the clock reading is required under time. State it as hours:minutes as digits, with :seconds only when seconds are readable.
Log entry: 5:06:03
